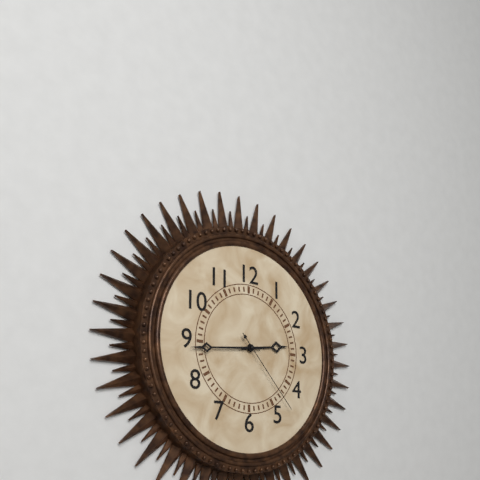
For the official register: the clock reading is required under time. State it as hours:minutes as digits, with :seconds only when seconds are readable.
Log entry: 2:44:23
